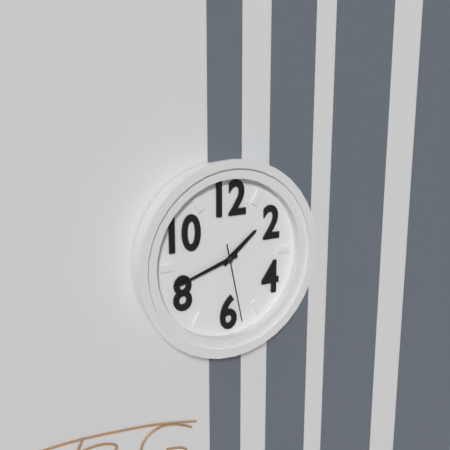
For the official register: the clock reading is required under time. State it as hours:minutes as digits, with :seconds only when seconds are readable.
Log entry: 1:42:28
